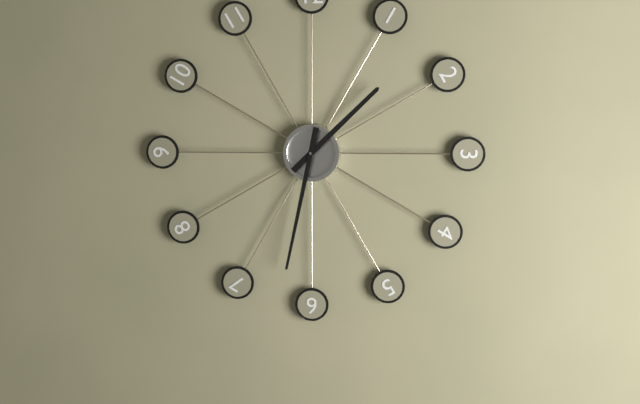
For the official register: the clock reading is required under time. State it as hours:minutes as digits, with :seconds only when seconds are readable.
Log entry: 1:32
